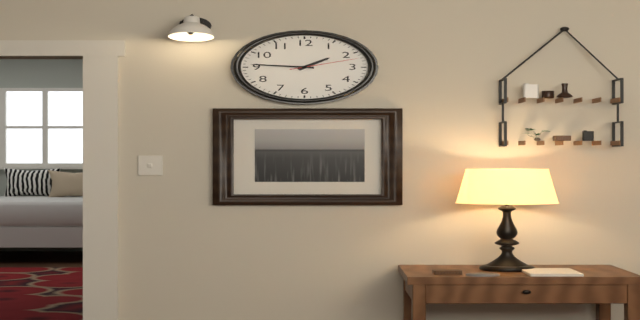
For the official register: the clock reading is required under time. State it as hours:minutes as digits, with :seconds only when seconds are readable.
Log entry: 1:46:12
